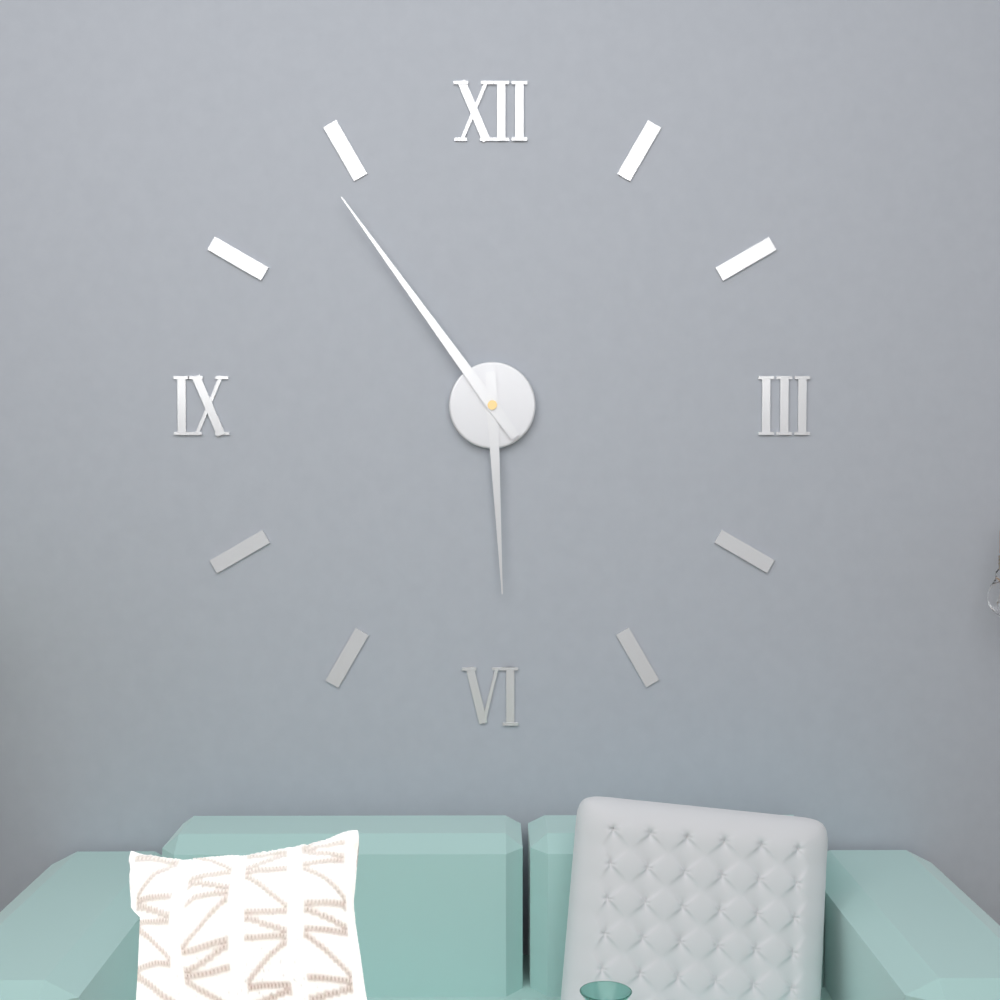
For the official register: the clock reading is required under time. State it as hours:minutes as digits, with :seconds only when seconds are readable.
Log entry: 5:54
